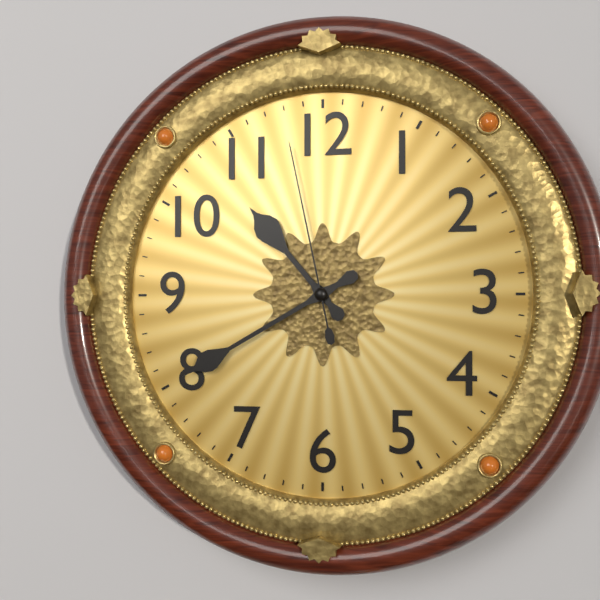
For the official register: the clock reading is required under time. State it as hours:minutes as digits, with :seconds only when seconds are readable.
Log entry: 10:40:58
